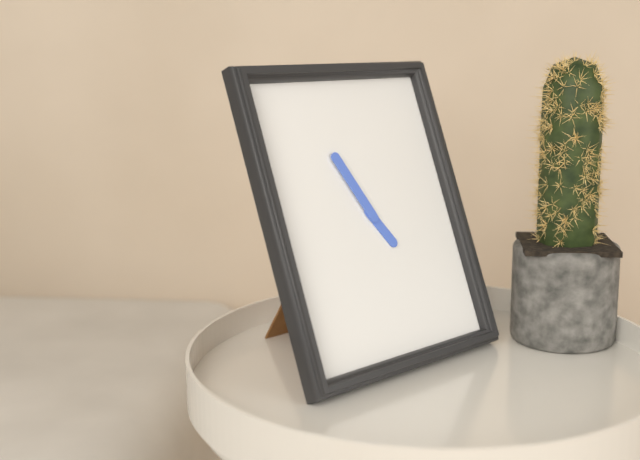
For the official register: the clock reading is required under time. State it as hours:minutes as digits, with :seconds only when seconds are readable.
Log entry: 4:56
